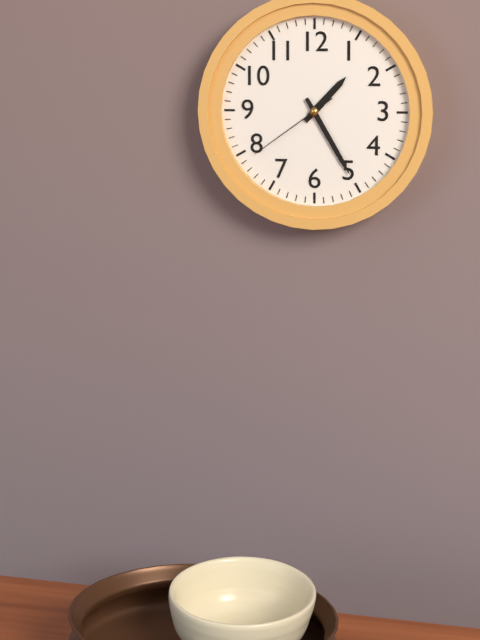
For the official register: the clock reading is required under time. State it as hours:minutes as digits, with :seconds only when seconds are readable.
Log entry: 1:25:39
